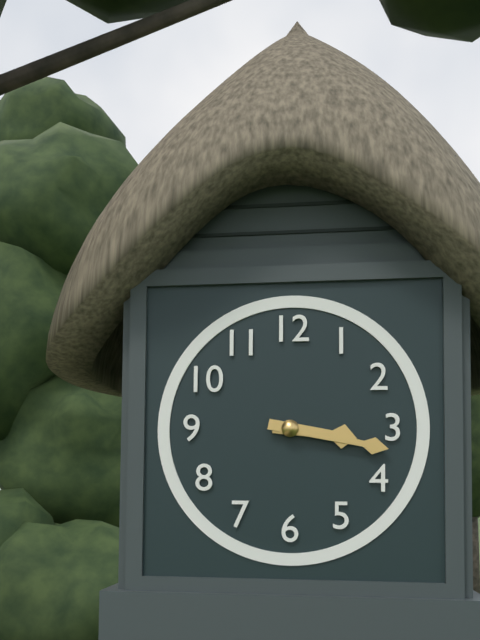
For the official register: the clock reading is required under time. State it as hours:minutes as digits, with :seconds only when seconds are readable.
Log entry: 3:17
